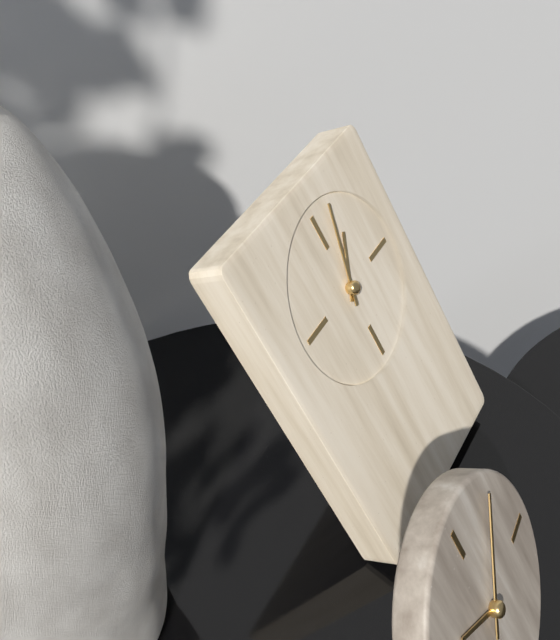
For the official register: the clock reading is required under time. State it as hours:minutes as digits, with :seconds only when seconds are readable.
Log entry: 1:03
